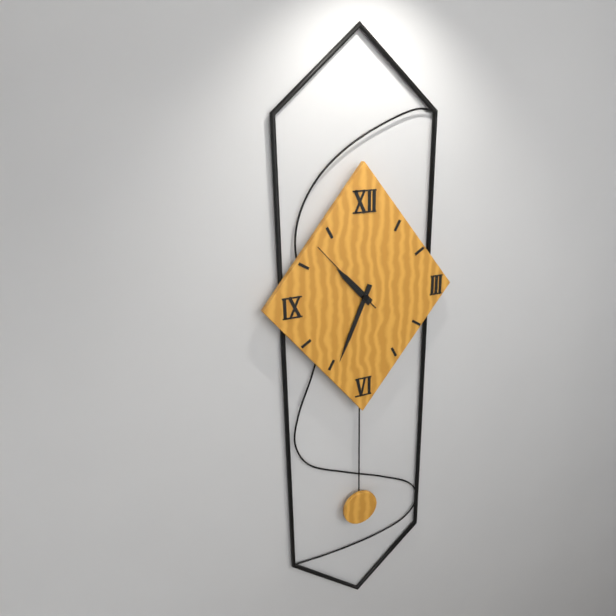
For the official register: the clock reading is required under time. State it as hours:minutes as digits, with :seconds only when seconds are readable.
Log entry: 10:34:53
